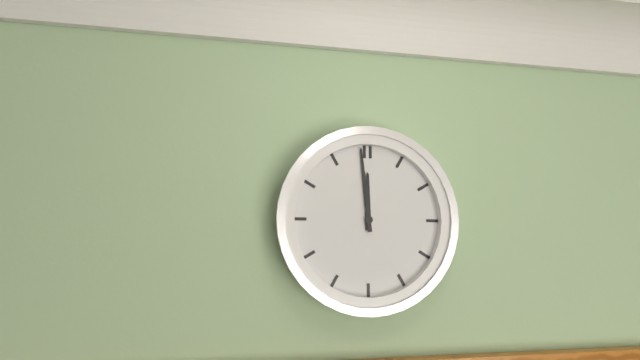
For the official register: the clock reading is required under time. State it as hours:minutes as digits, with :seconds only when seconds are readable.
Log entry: 11:59
